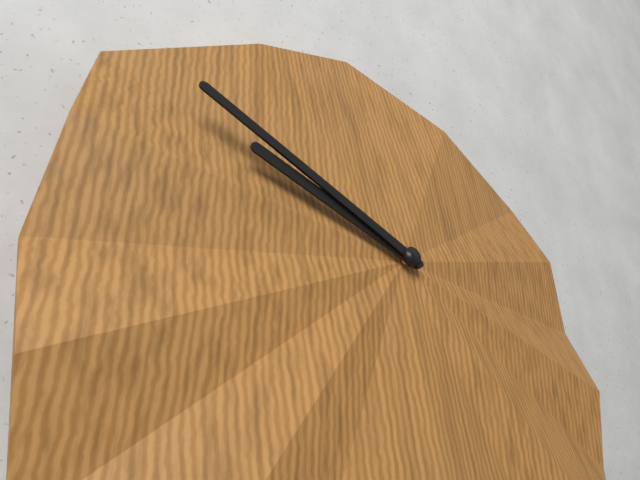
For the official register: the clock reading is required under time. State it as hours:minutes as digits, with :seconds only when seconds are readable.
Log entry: 9:50
